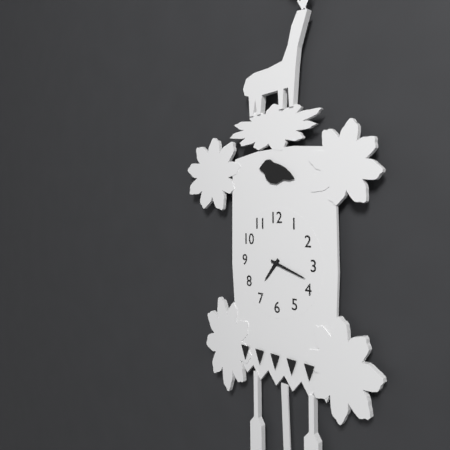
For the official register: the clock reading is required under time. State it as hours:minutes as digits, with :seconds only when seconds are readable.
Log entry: 7:18
